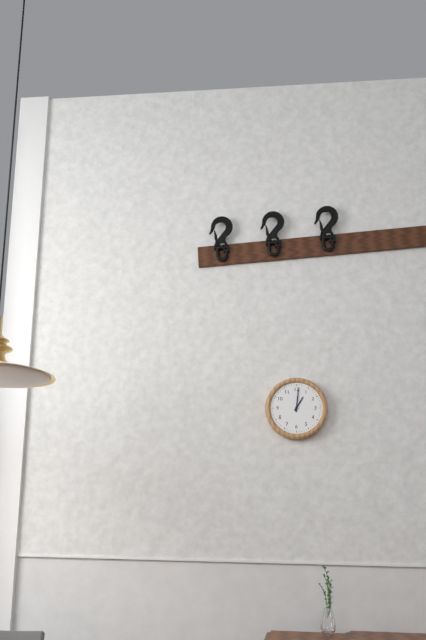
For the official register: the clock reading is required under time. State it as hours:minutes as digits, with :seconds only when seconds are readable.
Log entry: 1:01
